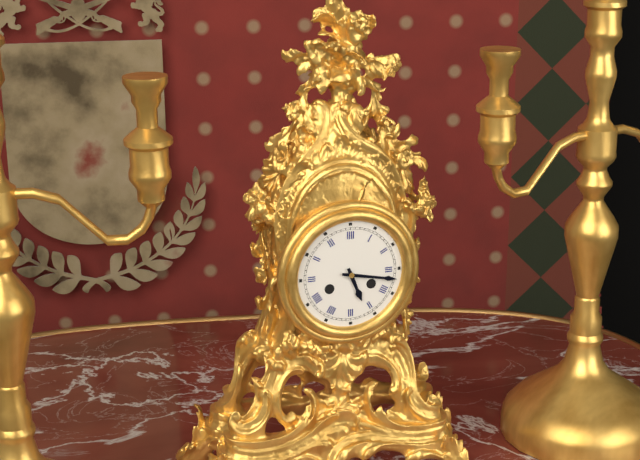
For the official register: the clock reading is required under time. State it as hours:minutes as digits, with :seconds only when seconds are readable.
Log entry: 5:17
